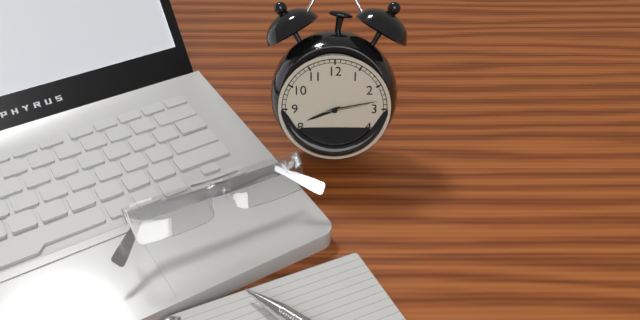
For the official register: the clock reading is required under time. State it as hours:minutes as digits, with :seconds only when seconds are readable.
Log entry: 8:13:13
